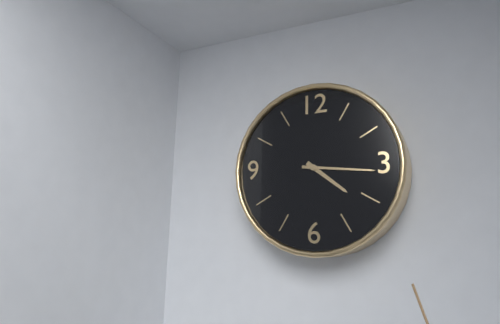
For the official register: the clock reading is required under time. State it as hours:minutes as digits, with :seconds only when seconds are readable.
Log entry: 4:16
